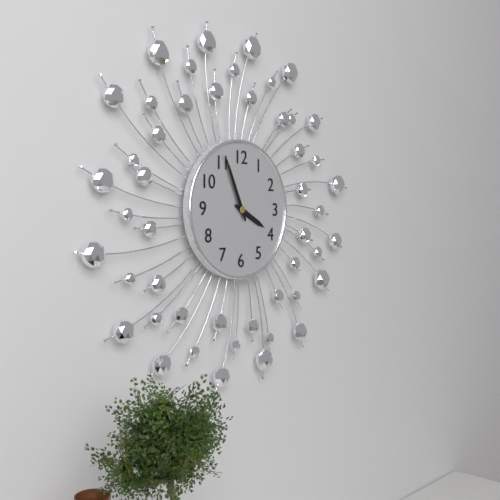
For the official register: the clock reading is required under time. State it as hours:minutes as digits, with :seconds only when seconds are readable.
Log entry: 3:56
